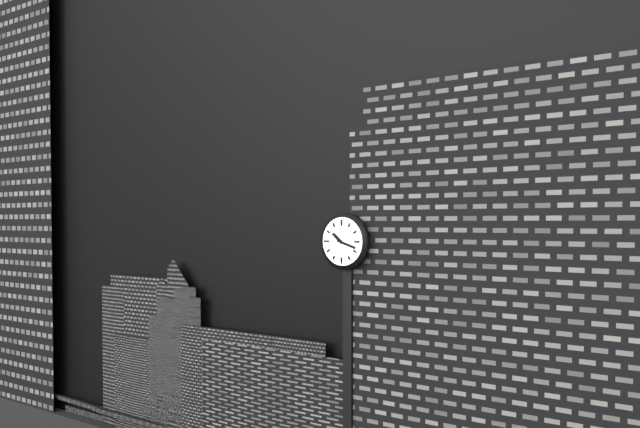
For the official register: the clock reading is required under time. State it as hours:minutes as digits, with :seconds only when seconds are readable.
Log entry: 10:18
